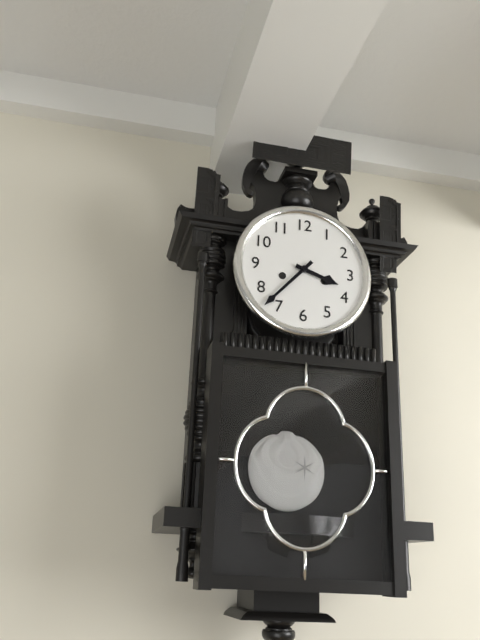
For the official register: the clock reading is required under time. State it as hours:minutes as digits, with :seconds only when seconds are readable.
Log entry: 3:37
